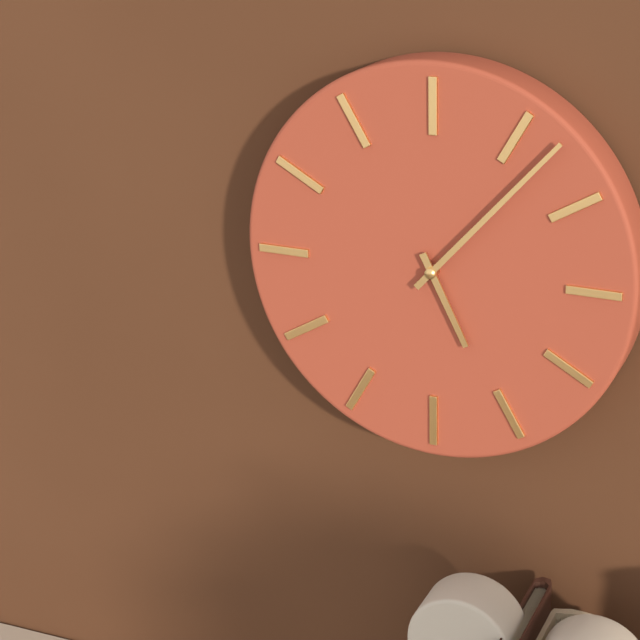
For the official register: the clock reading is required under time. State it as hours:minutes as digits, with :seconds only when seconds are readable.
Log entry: 5:07
